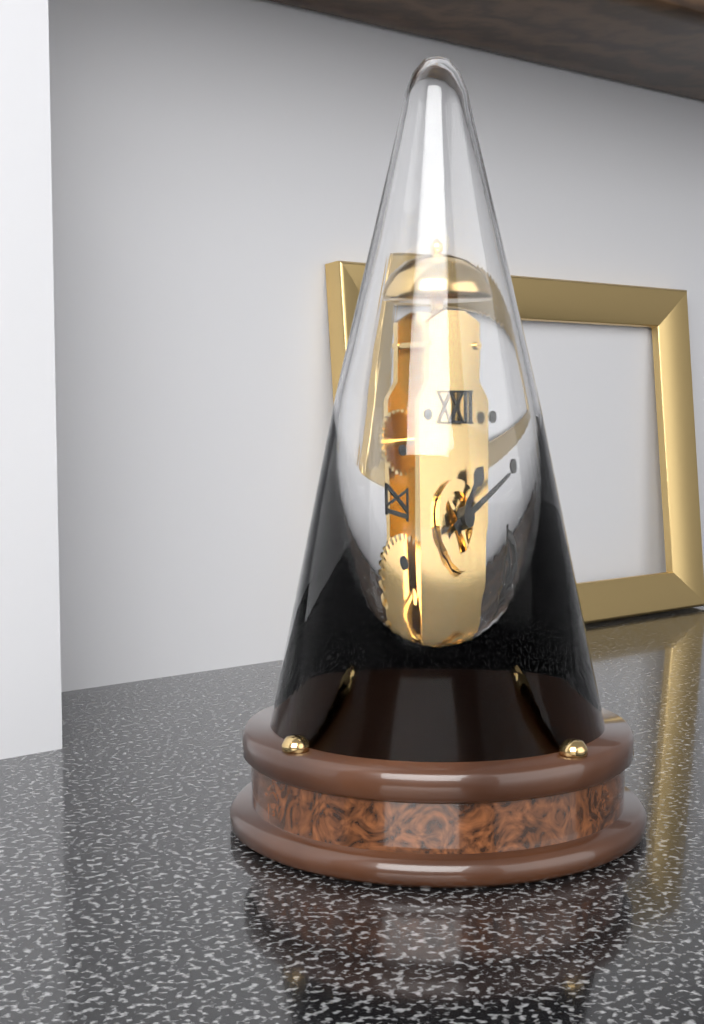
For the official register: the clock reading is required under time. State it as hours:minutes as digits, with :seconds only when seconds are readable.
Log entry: 1:10
